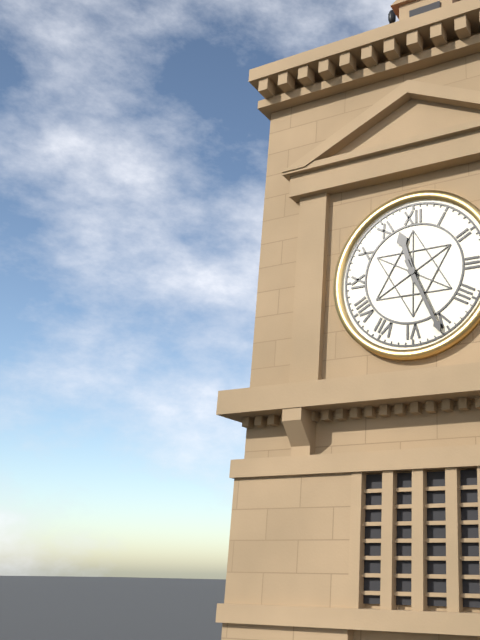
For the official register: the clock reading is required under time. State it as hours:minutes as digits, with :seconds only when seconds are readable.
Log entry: 11:26
